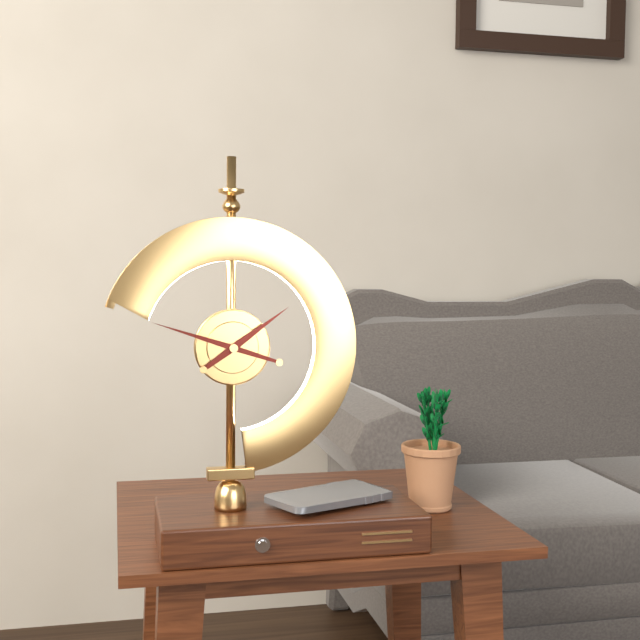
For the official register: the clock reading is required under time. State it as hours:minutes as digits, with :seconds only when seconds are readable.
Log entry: 1:48
